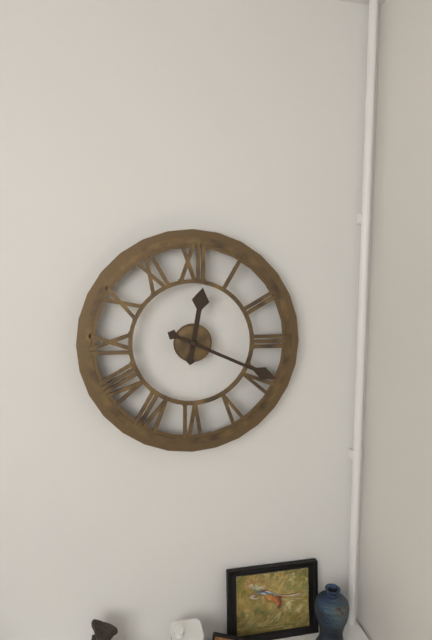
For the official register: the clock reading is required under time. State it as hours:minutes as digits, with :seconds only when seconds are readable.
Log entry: 12:19
